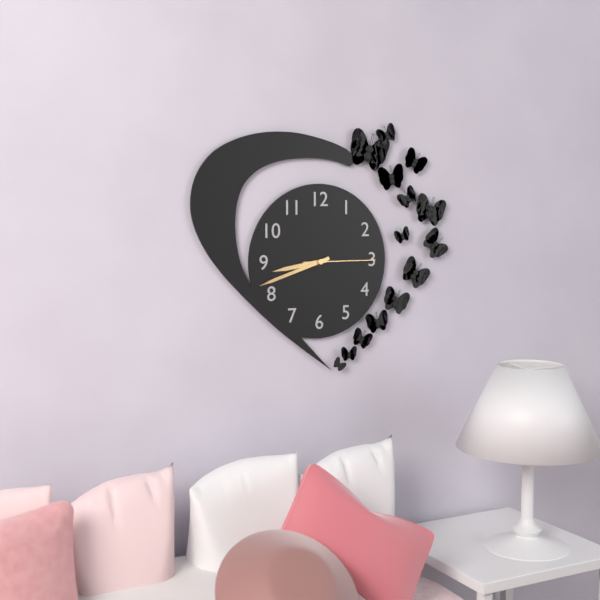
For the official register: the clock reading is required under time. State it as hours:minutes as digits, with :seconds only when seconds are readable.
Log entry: 8:42:15
